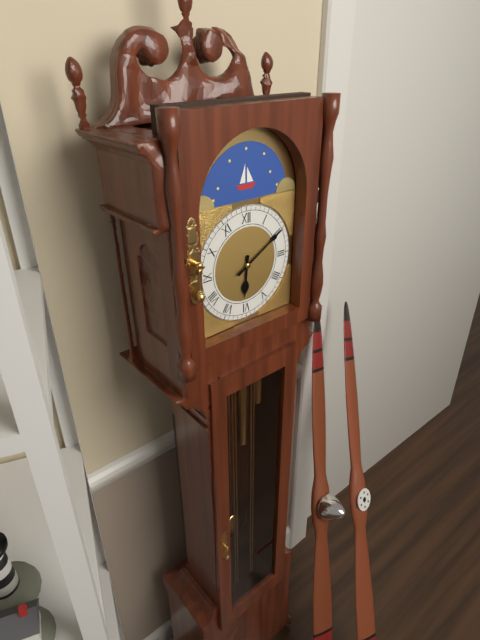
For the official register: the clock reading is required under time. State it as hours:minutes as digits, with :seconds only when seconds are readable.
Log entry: 6:10
